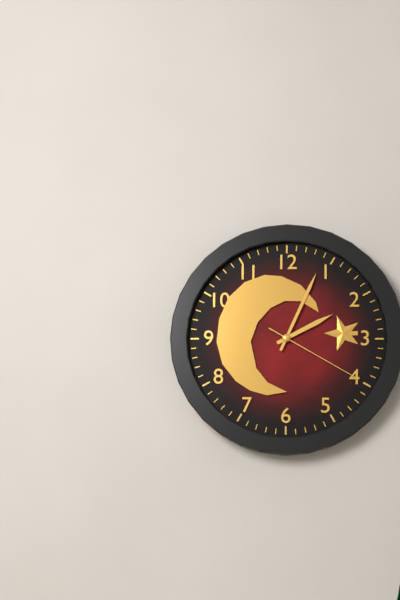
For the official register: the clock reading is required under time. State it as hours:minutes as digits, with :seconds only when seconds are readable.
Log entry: 2:04:20
